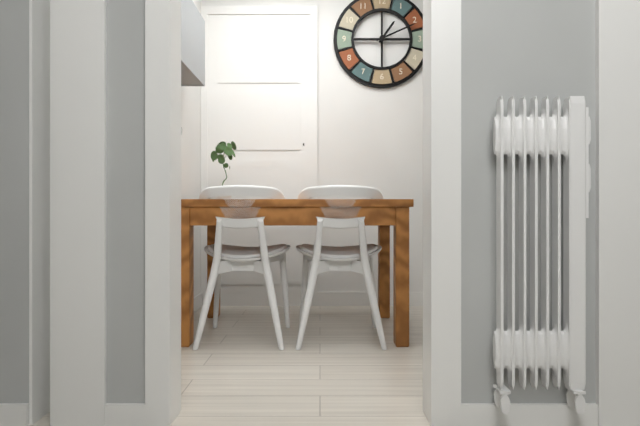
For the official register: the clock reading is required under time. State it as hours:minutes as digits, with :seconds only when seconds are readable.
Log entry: 1:11
